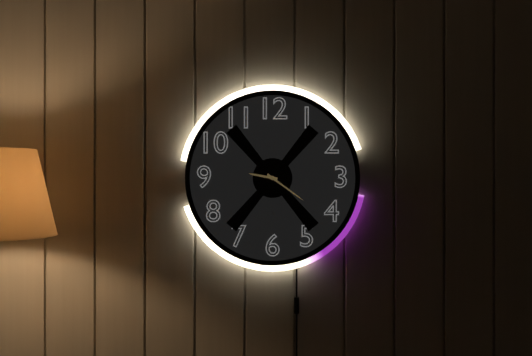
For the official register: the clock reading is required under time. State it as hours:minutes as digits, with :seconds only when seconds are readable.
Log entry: 9:21
